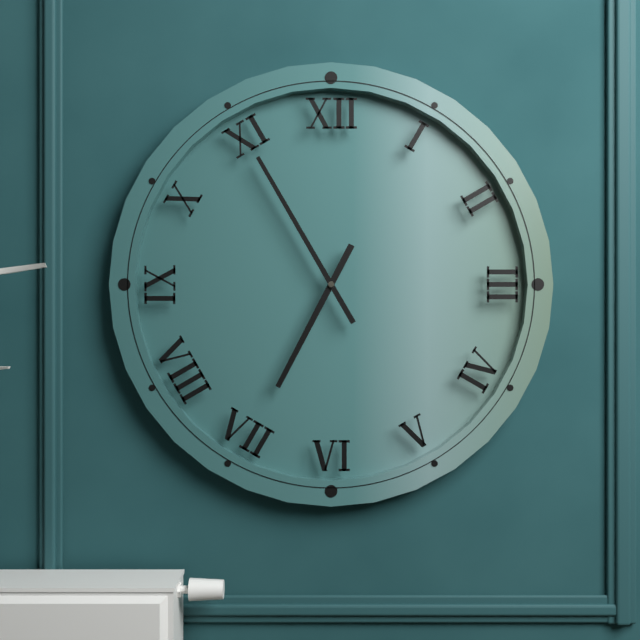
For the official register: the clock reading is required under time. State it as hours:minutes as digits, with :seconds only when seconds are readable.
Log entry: 6:55
